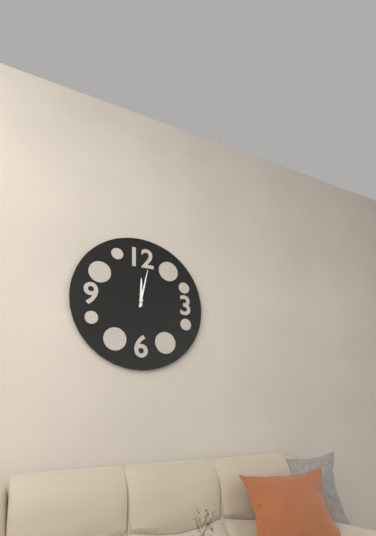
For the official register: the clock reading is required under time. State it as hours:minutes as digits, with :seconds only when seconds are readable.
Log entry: 12:02
